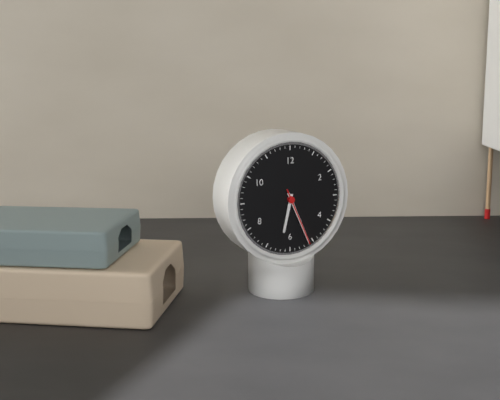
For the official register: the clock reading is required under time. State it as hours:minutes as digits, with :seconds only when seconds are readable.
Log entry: 6:26:26
